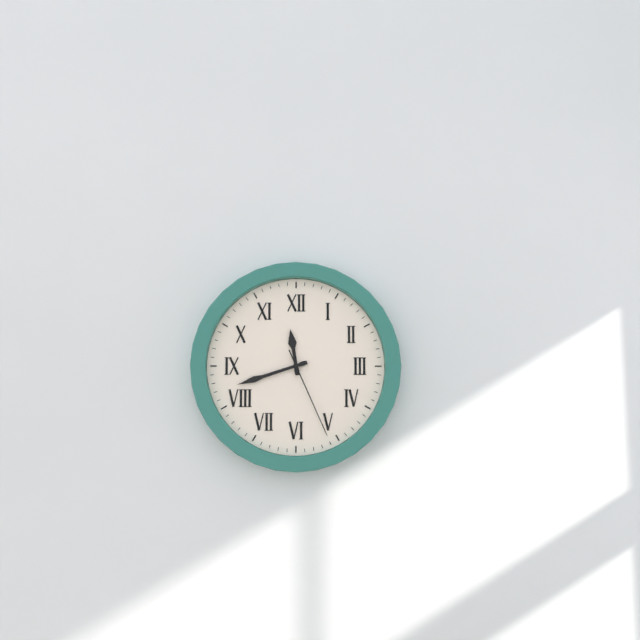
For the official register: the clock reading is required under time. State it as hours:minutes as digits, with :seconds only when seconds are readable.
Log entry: 11:42:26
